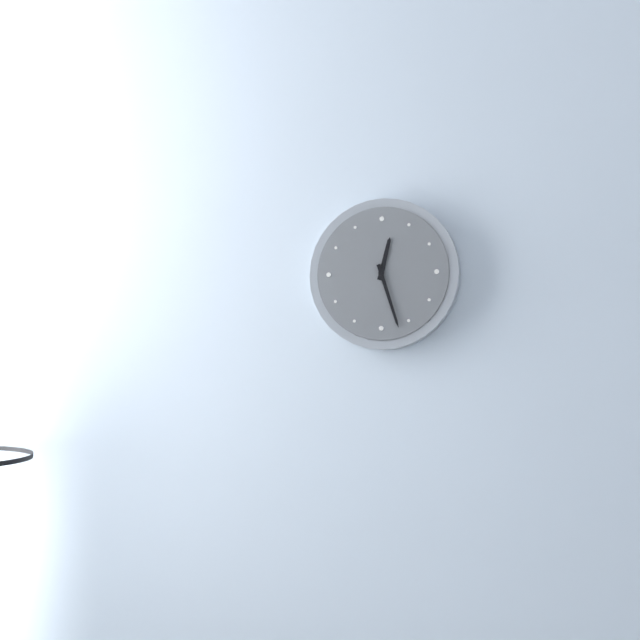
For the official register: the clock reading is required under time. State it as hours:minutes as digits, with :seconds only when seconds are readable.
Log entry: 12:27
